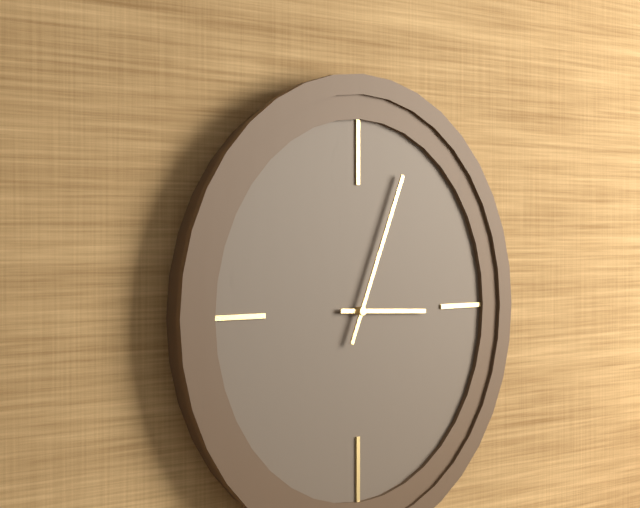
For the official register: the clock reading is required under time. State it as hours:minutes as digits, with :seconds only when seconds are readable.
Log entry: 3:04
